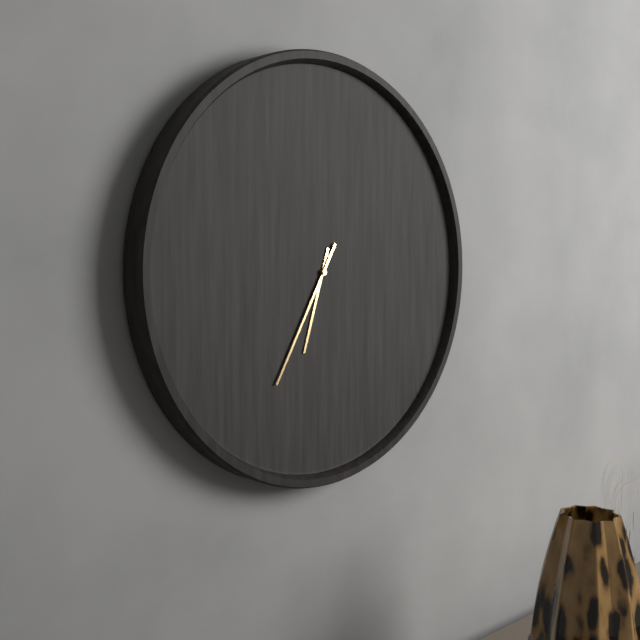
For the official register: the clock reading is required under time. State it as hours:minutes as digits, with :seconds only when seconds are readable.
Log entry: 6:35
